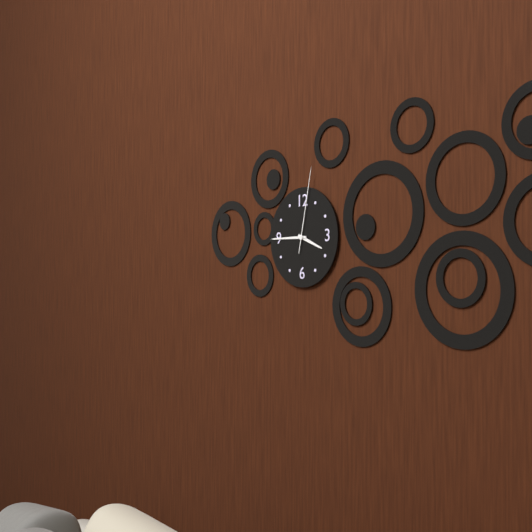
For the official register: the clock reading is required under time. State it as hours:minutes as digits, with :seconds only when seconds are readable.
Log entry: 3:45:02
